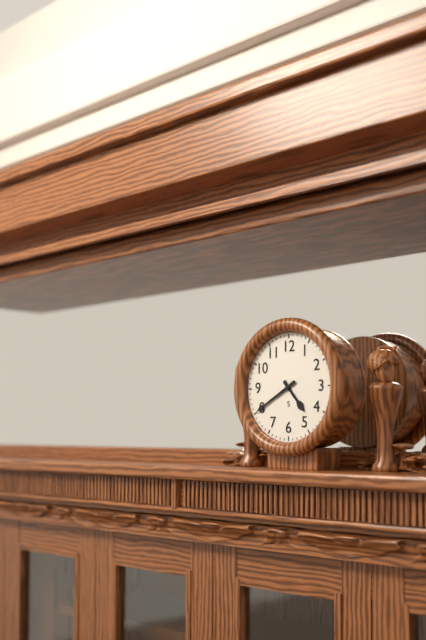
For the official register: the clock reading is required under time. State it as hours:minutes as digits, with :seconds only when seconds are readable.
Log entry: 4:40
